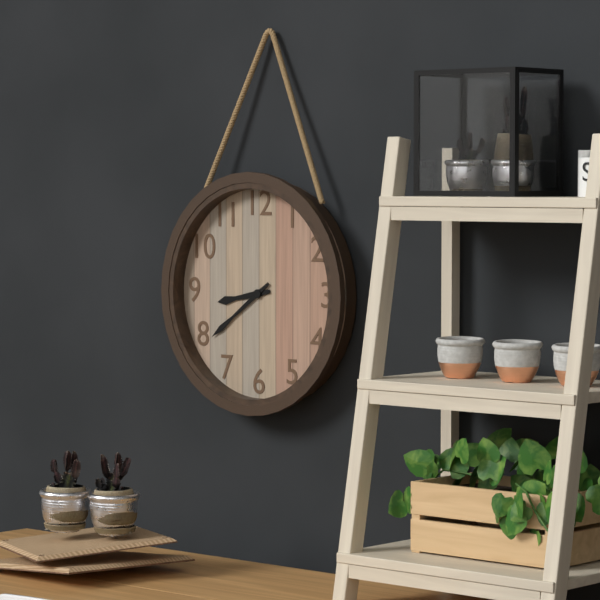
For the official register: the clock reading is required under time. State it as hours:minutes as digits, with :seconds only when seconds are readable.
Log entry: 8:39
